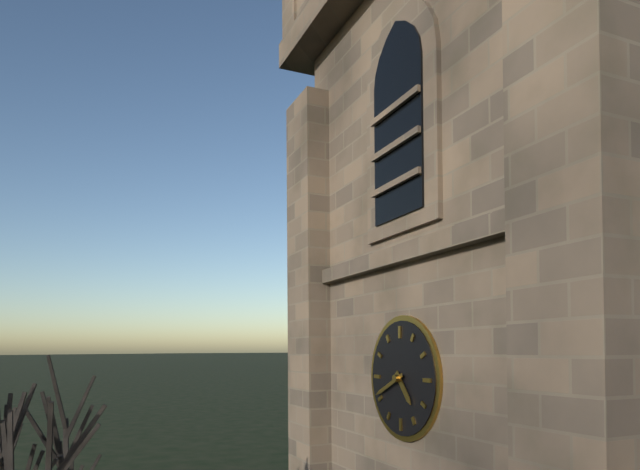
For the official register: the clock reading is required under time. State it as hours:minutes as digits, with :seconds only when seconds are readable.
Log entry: 4:41
